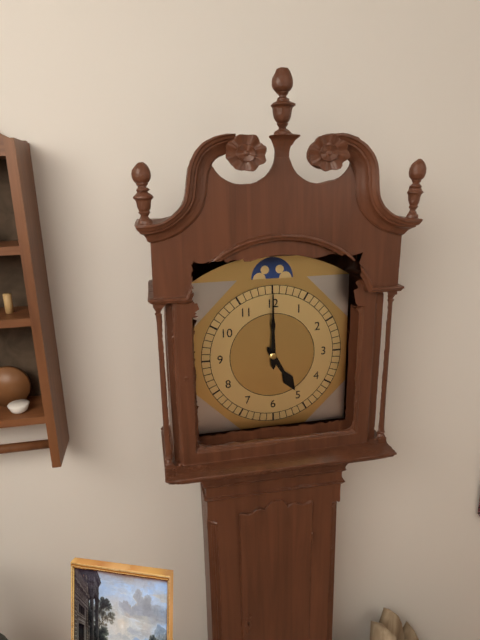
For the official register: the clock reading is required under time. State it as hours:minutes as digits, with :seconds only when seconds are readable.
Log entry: 5:00
